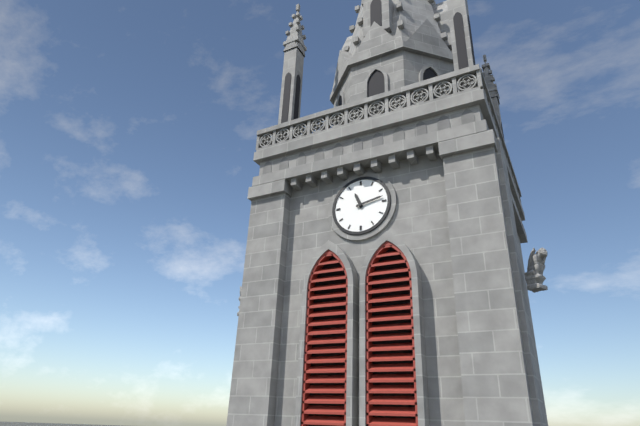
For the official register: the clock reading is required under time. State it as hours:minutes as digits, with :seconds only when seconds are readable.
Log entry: 11:13
